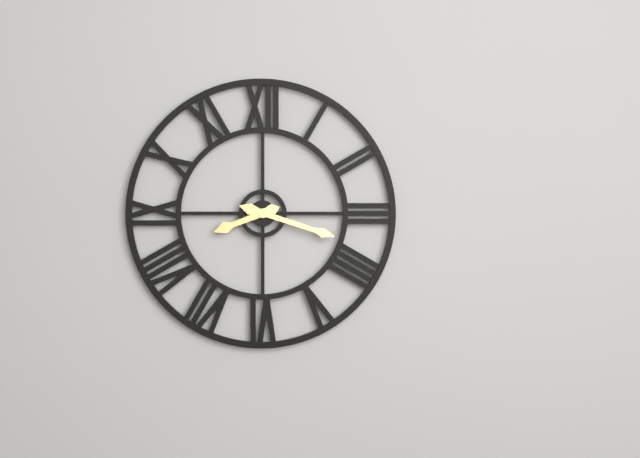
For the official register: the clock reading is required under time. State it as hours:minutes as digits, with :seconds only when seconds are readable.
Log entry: 8:18
